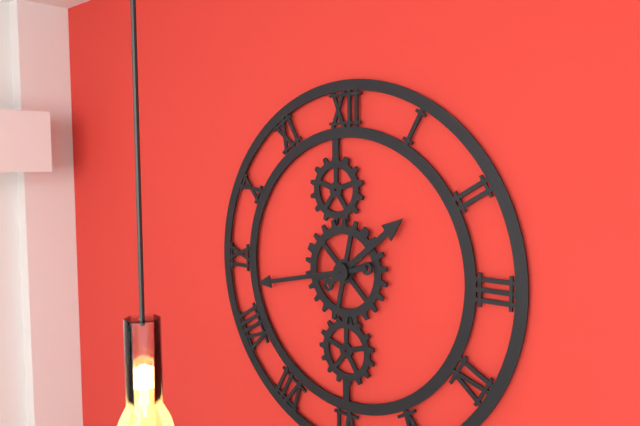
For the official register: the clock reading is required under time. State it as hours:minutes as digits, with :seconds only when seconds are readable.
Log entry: 1:43
